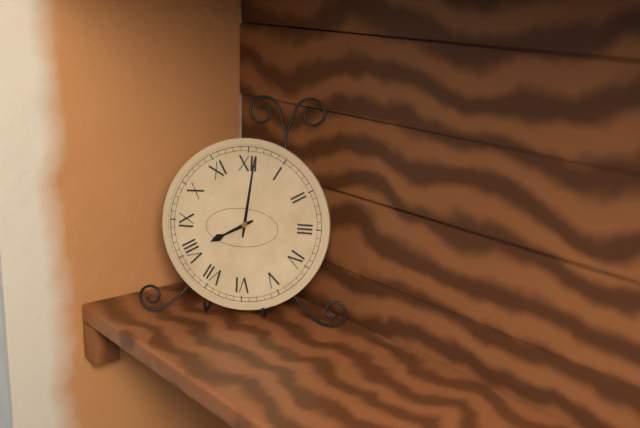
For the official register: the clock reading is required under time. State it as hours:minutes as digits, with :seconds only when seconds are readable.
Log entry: 8:01
